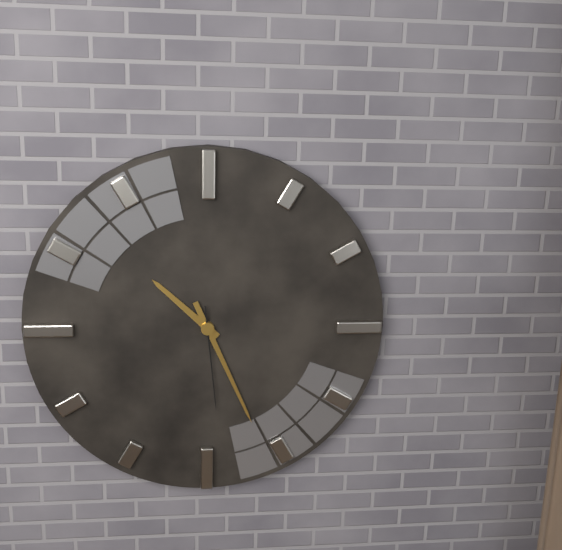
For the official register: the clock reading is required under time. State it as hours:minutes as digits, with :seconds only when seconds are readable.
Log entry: 10:26:29
